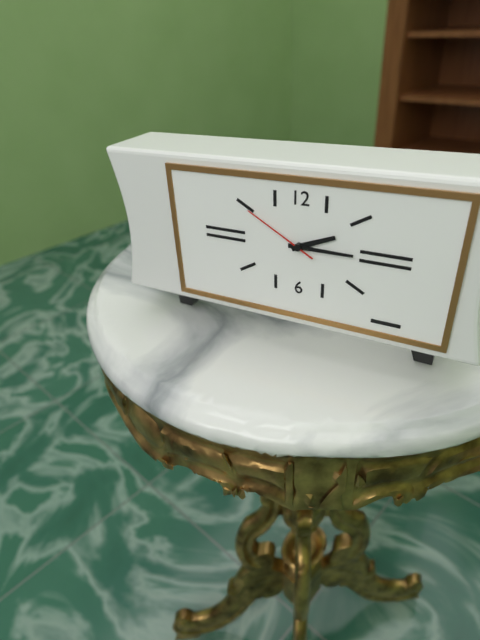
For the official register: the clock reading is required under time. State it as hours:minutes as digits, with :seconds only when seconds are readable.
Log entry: 2:15:50
